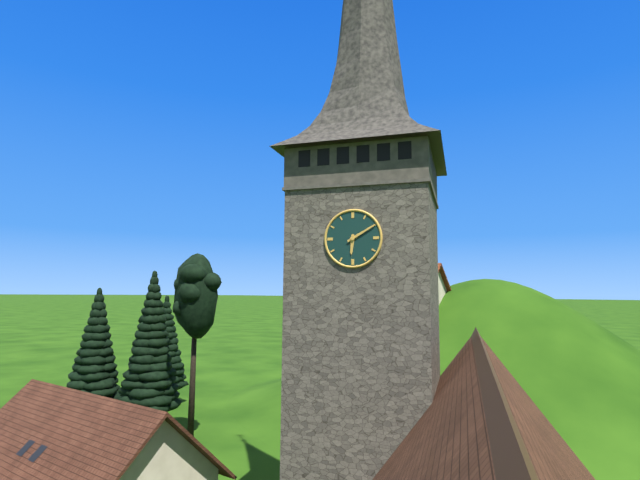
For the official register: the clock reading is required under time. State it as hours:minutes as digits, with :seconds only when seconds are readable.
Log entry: 6:10
